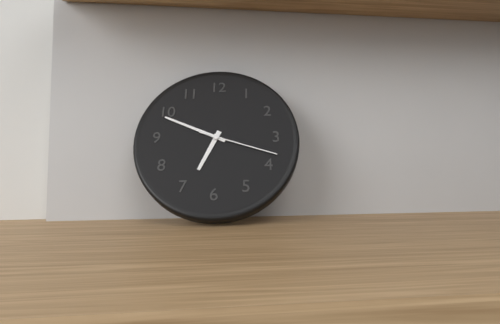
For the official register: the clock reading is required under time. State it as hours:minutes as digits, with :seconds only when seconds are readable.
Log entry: 6:49:18
